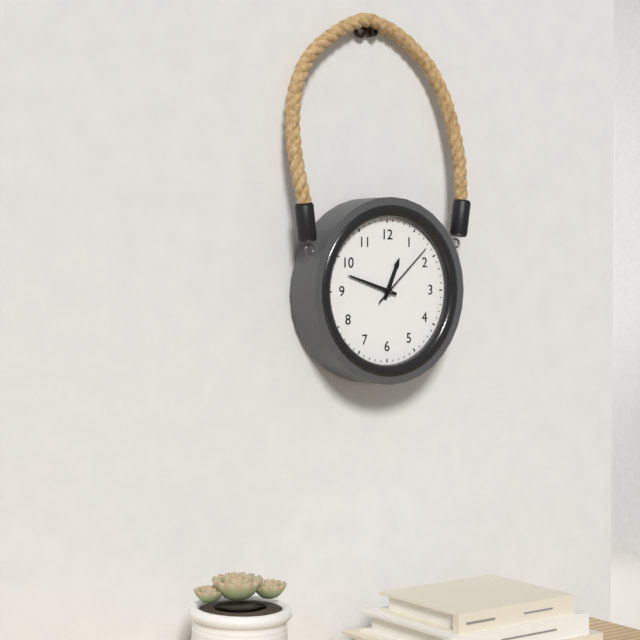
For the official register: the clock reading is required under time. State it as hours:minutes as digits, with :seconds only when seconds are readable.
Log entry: 12:48:08
